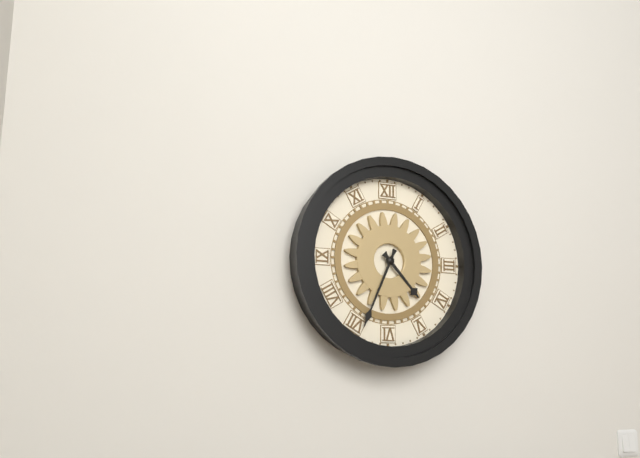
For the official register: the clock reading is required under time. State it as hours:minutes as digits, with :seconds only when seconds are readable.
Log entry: 4:34
